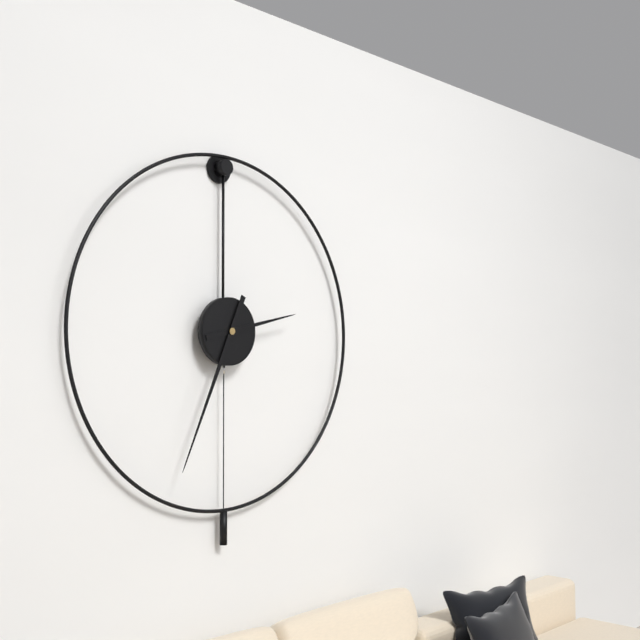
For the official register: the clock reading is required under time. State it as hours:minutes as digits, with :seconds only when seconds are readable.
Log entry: 2:34
